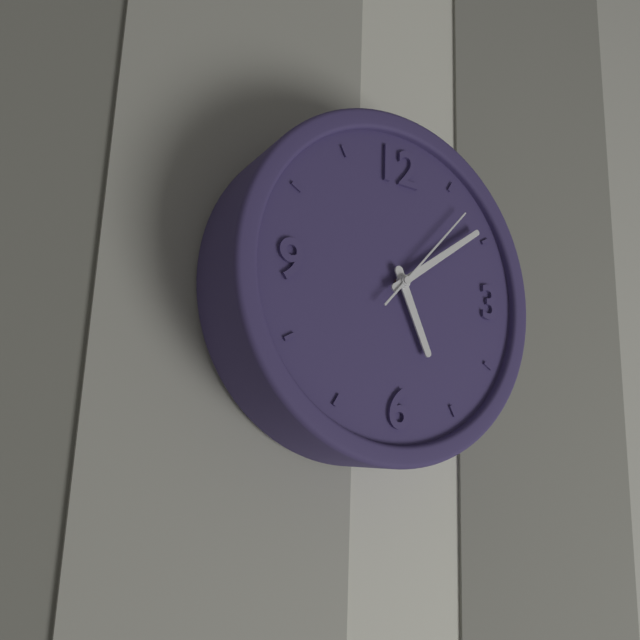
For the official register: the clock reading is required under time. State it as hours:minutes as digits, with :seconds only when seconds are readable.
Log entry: 5:09:07
